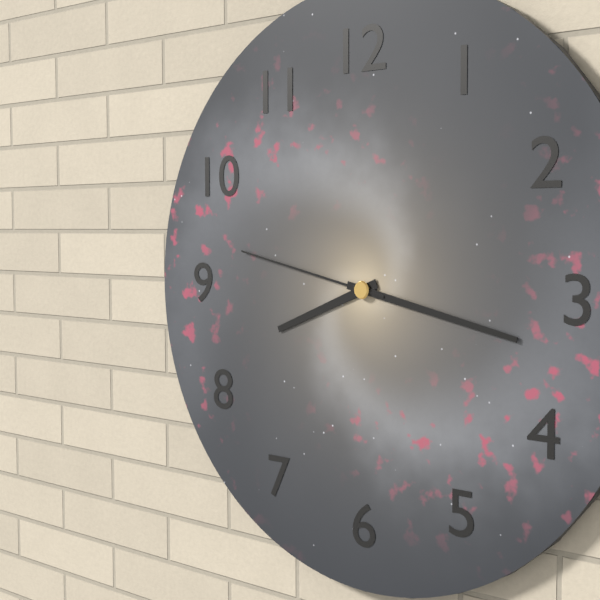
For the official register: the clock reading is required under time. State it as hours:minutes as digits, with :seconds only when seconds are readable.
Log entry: 8:17:47
